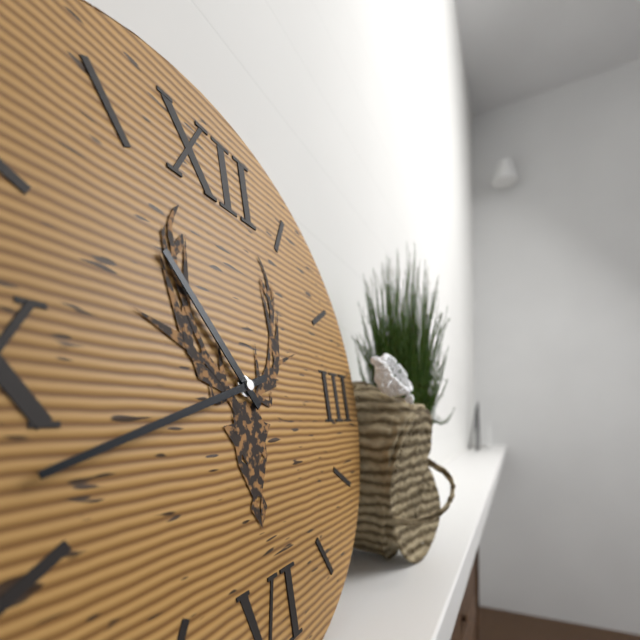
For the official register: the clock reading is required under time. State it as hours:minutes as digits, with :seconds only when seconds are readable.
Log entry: 10:42
